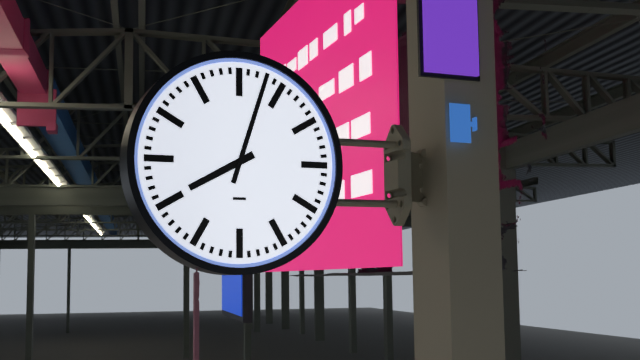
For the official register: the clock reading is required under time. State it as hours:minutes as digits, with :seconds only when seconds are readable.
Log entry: 8:03
